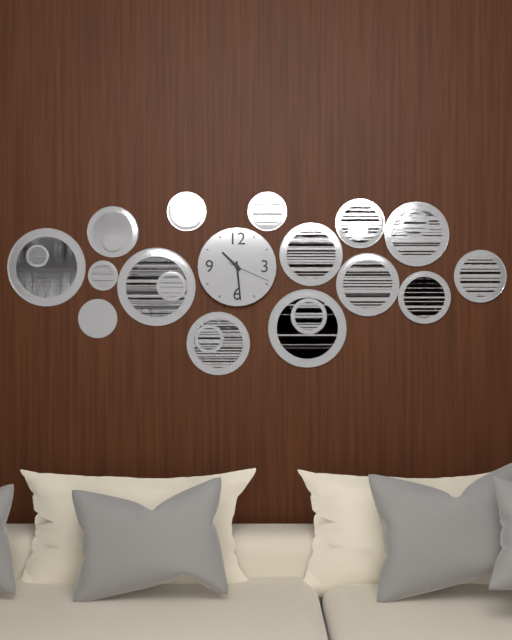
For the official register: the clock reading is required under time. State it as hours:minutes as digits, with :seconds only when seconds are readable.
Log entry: 10:29
